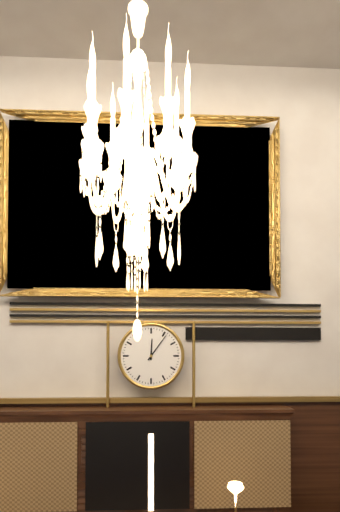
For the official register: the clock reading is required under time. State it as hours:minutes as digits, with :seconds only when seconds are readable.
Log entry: 12:06
